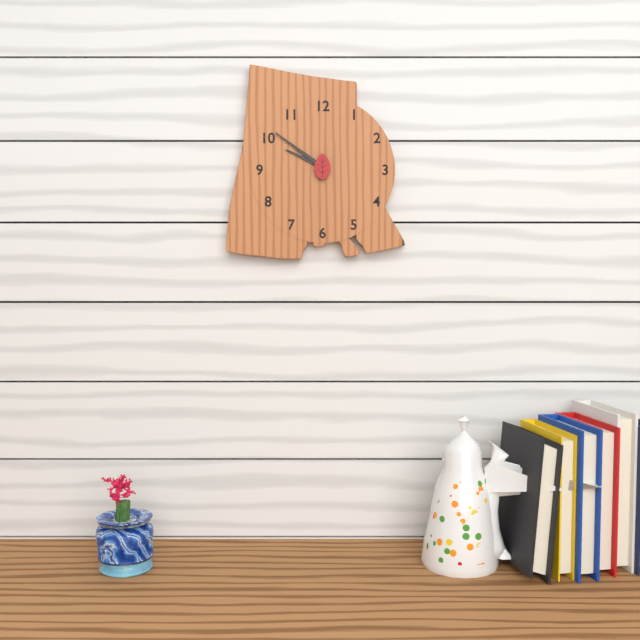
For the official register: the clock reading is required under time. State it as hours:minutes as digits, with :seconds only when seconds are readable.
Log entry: 9:51
